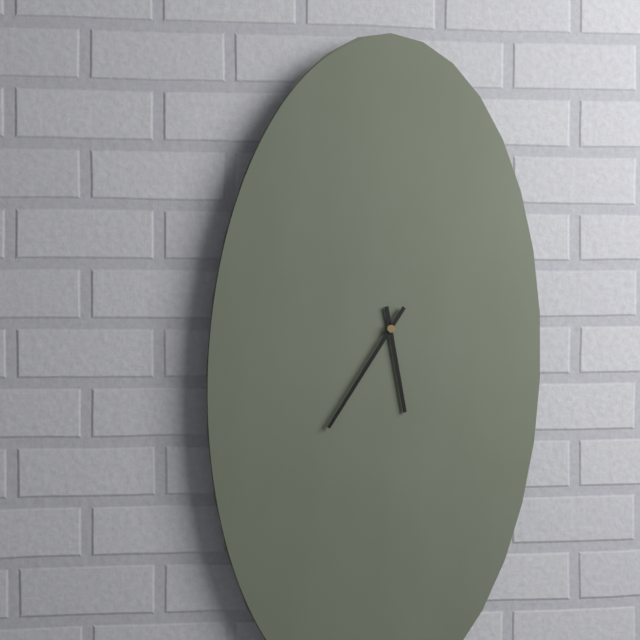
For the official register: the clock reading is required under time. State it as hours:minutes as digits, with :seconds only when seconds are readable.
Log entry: 5:35
